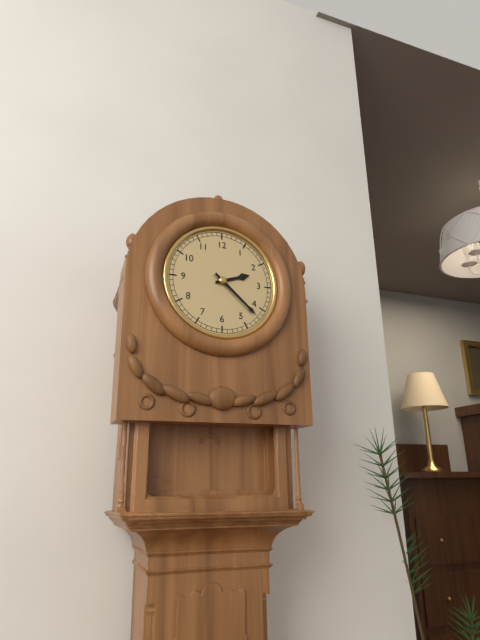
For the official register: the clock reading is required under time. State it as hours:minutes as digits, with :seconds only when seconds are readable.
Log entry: 2:22
